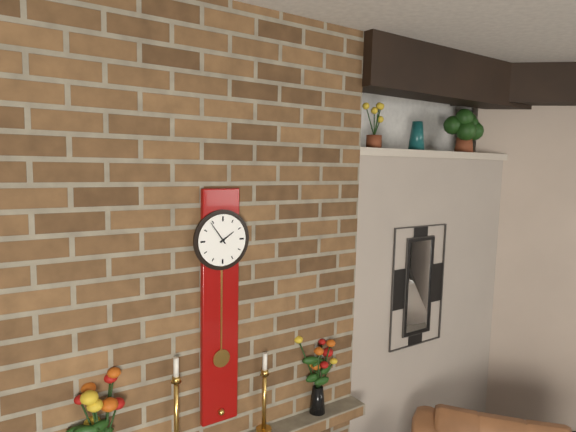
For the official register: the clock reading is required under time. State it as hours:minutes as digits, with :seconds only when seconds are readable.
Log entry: 1:54
